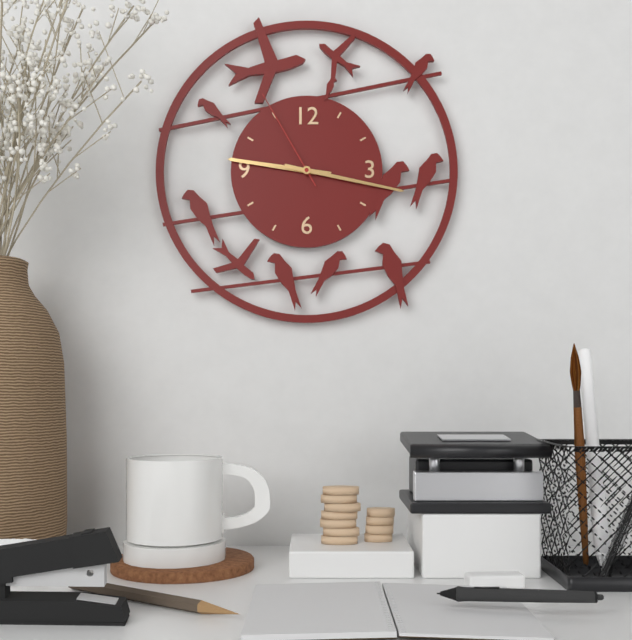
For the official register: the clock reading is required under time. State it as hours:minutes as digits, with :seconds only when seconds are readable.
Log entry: 9:17:55
